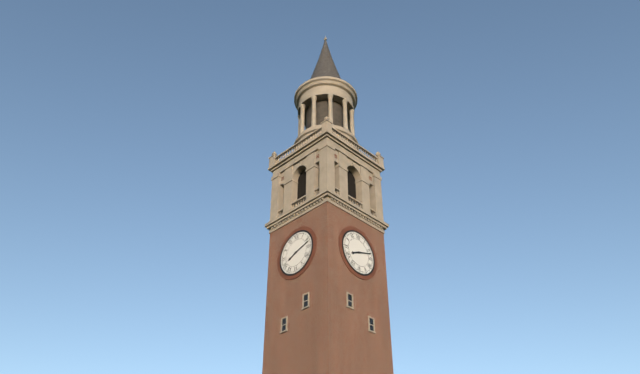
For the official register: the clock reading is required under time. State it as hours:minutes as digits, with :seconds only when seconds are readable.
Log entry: 8:12
